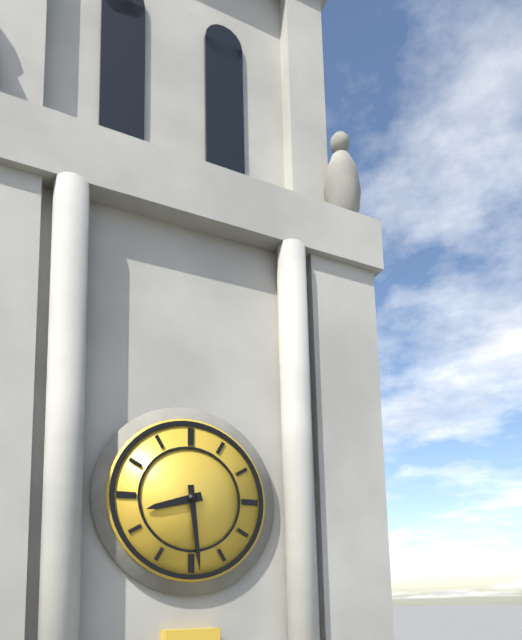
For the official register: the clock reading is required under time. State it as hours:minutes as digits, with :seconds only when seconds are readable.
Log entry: 8:29
